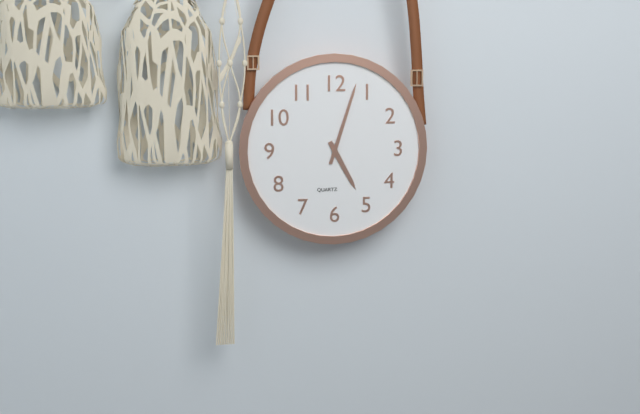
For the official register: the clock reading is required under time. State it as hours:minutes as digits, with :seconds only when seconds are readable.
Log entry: 5:03
